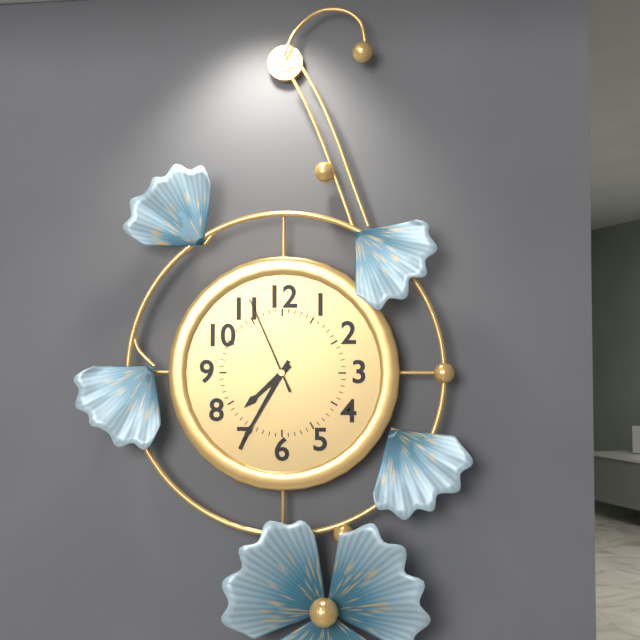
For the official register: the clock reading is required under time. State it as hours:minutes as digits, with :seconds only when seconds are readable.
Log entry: 7:35:56
